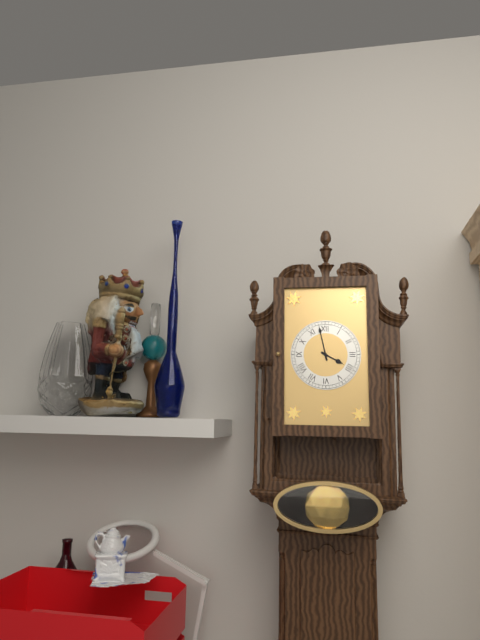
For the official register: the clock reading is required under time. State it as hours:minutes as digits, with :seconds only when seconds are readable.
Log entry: 3:58
